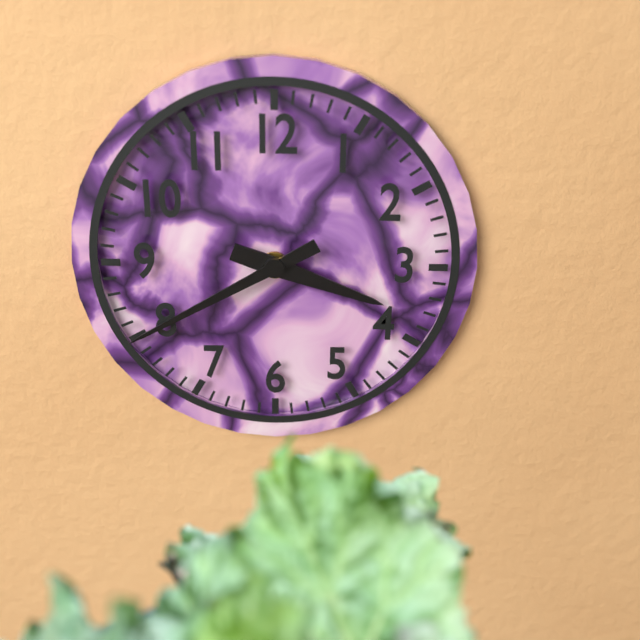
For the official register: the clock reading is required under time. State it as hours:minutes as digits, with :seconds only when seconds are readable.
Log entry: 3:40
